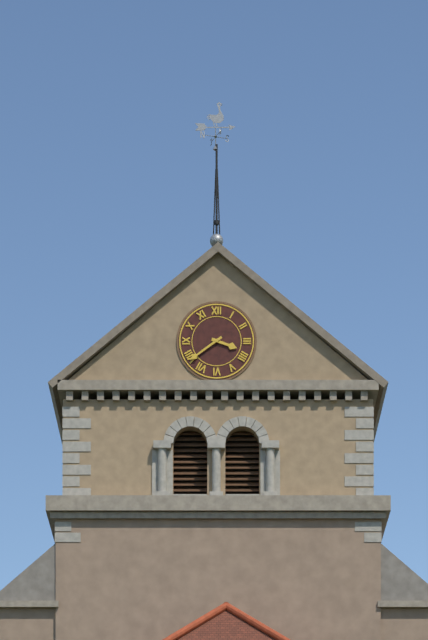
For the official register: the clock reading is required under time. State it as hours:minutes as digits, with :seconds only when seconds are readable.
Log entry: 3:39
